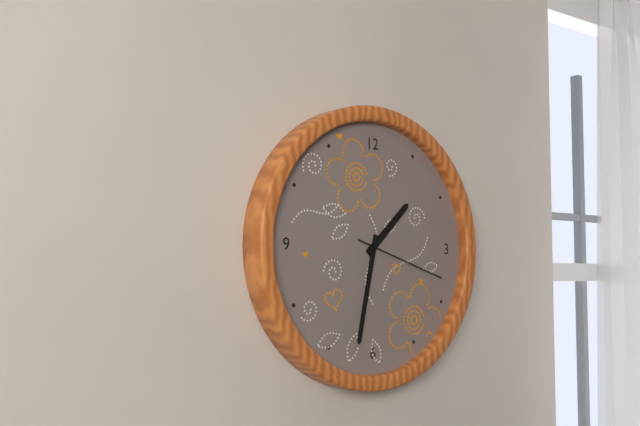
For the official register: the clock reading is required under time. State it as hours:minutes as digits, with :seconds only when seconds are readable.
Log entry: 1:32:18
